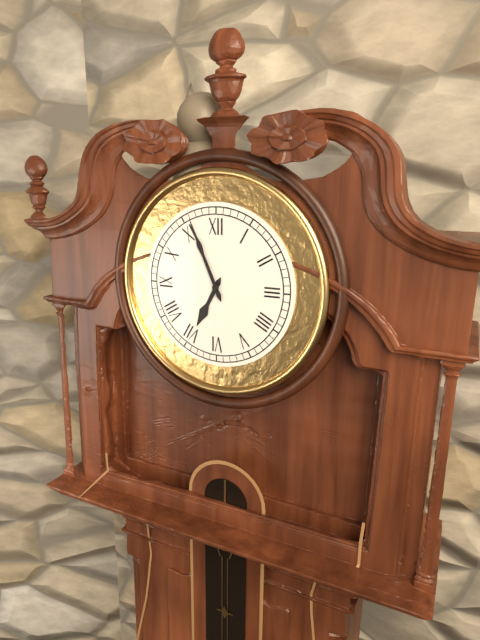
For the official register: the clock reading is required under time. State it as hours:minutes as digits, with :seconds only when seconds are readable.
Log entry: 6:56
